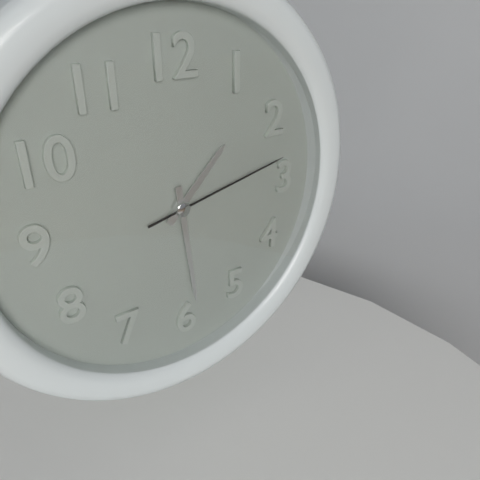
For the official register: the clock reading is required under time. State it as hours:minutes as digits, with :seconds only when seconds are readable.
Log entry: 1:29:13
